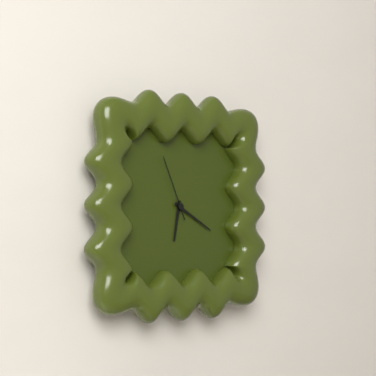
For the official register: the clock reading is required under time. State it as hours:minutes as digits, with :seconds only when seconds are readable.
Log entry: 6:20:56
